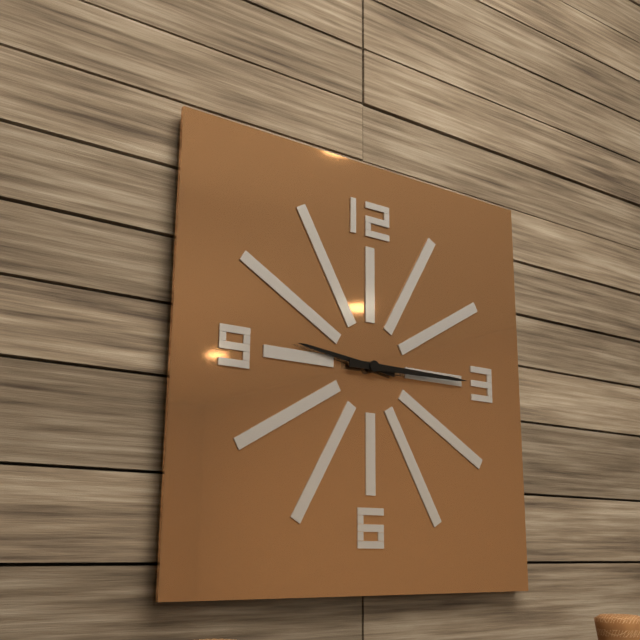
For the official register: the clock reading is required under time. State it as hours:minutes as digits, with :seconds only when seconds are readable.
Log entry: 9:15
